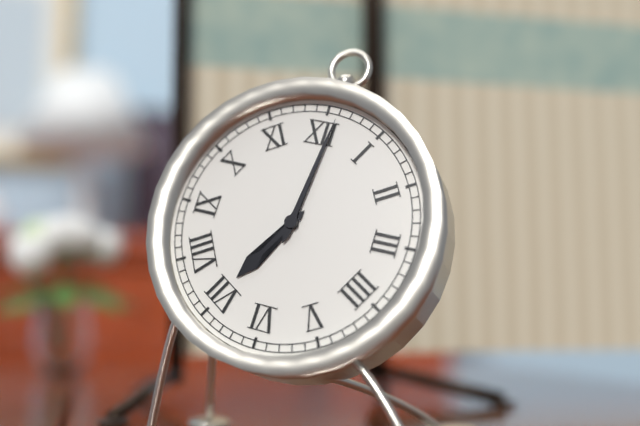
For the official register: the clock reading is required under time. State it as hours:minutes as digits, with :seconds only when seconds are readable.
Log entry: 7:01
